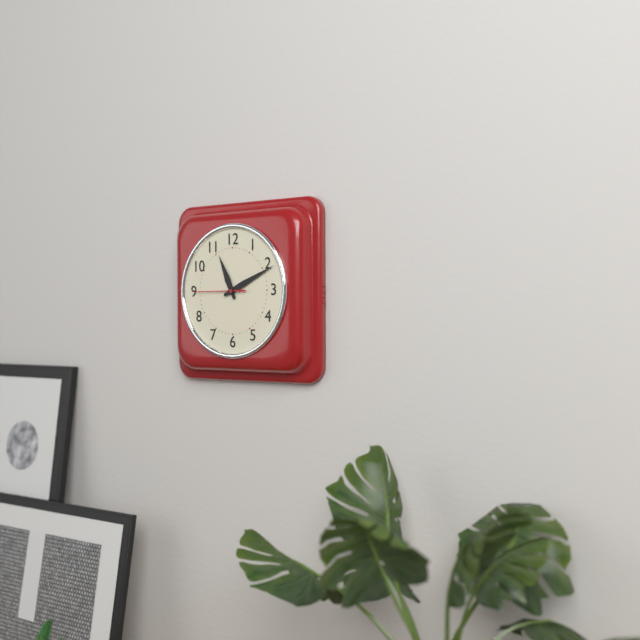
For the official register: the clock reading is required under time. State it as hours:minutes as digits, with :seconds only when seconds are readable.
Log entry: 11:11
